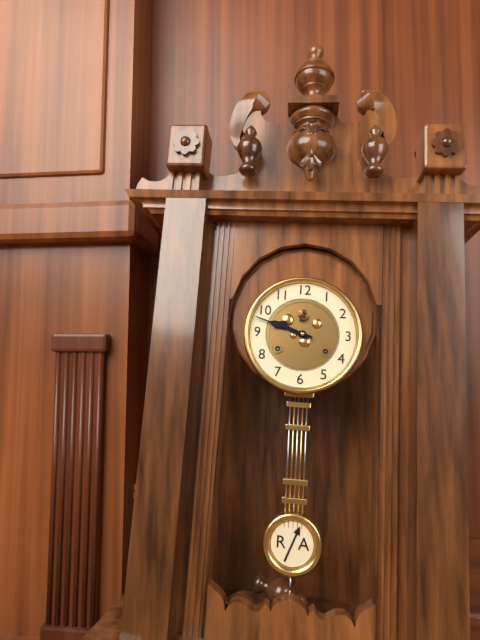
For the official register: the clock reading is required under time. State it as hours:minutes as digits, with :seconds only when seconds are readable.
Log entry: 9:48
